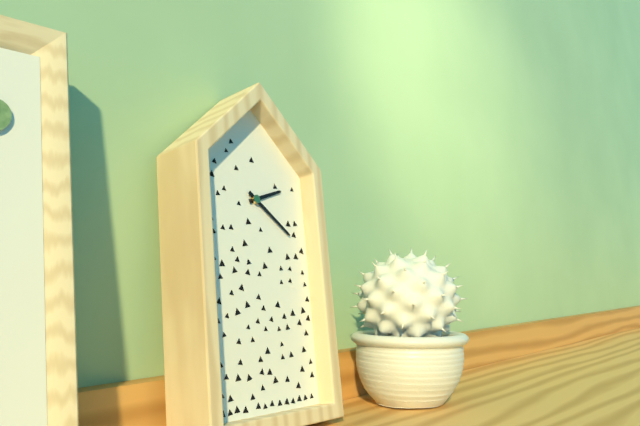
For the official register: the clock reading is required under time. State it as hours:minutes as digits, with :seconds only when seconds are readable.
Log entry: 2:21
